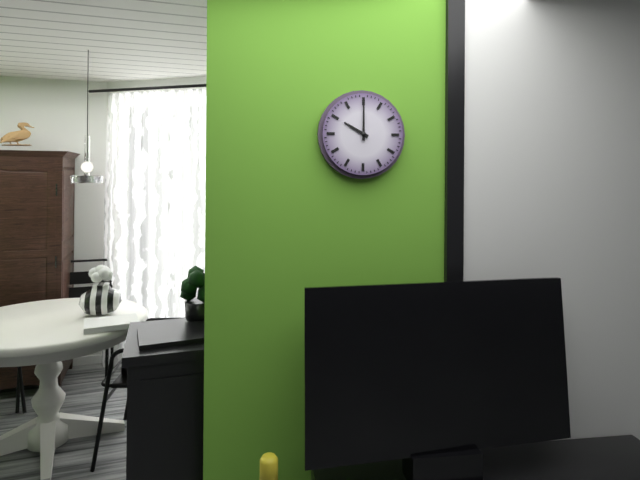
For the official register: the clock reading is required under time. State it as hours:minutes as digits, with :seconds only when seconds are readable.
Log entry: 10:00
